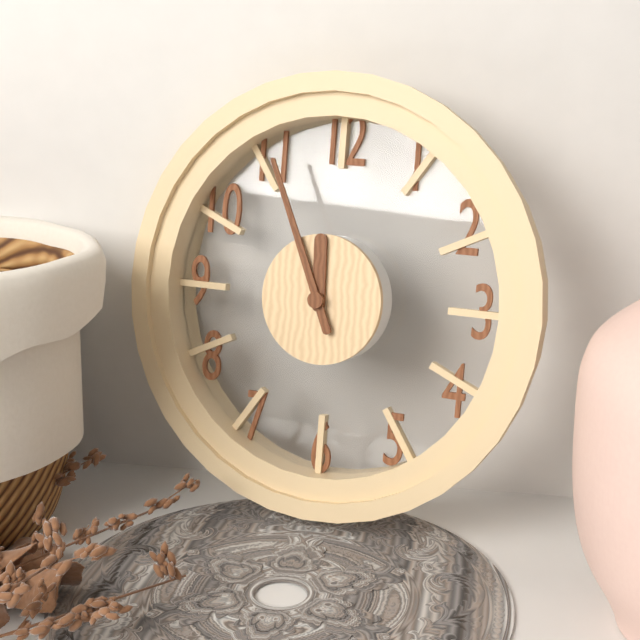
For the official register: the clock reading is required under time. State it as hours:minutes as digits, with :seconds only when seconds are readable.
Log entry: 11:56
